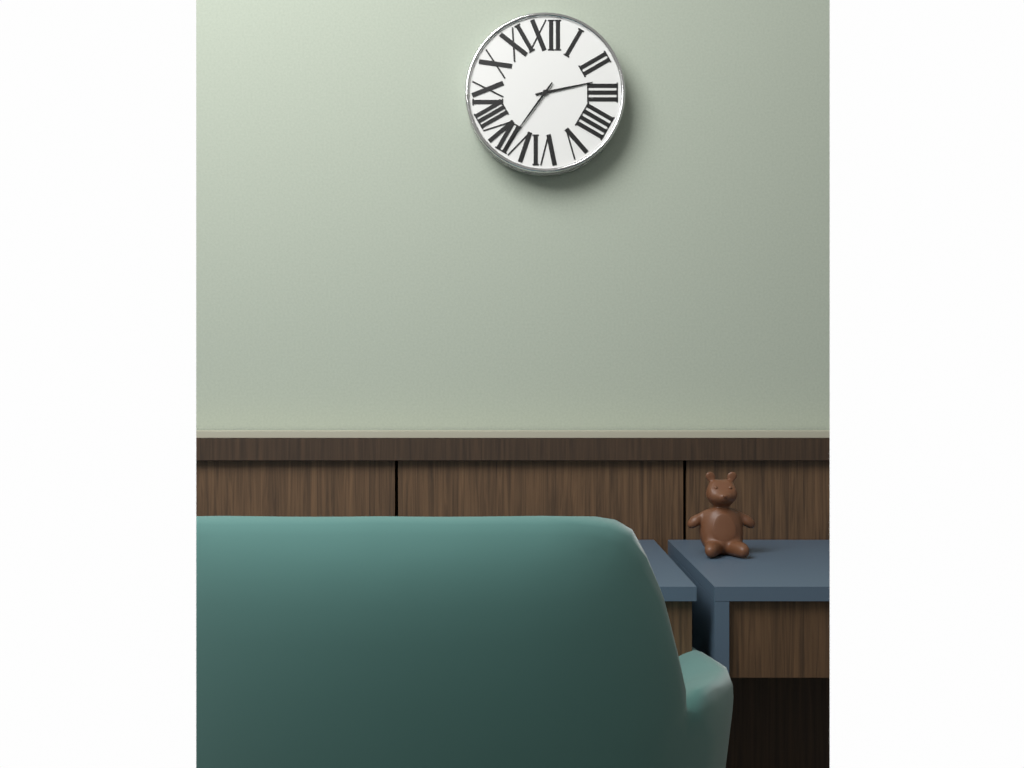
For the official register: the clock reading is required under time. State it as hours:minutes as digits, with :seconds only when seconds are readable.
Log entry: 2:36
